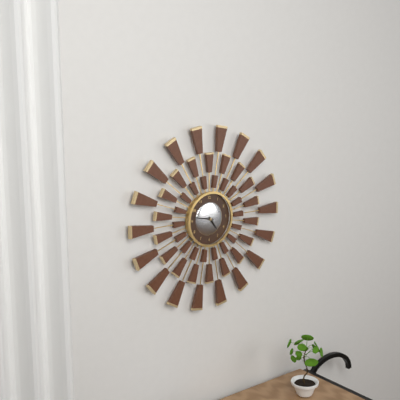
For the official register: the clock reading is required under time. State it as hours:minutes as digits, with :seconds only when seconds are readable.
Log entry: 4:47
